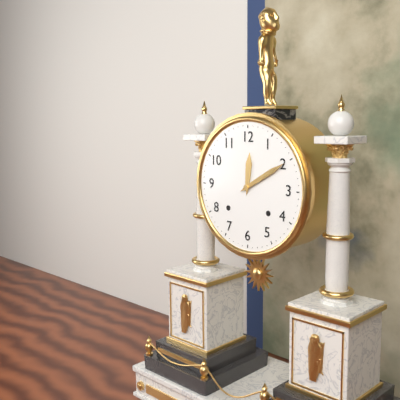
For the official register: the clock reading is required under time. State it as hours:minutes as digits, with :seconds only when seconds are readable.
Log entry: 12:10
